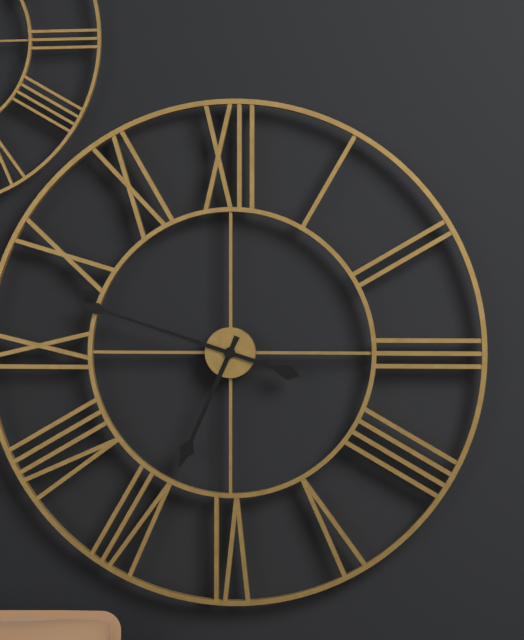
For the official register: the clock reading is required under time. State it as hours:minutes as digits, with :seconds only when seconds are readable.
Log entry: 6:48
